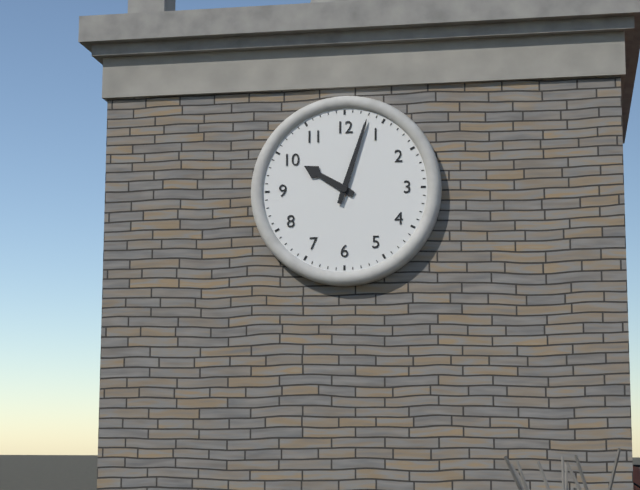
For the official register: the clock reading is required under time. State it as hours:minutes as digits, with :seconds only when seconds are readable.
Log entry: 10:03
